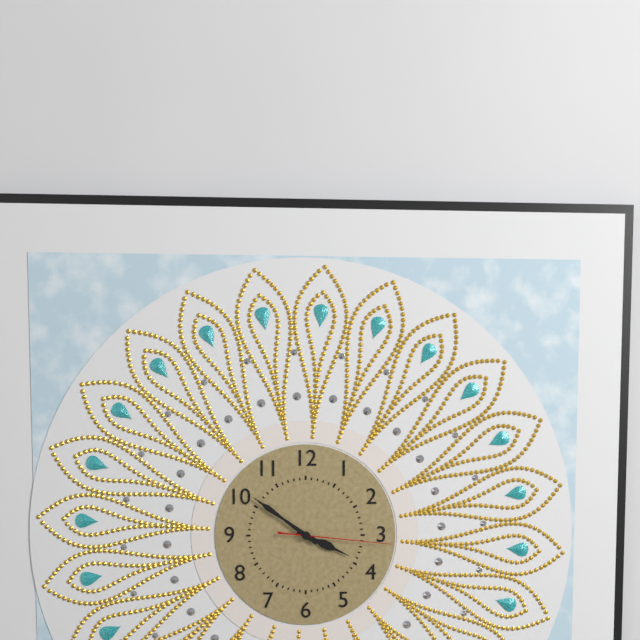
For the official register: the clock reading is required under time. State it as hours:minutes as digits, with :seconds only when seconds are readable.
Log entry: 3:51:16
